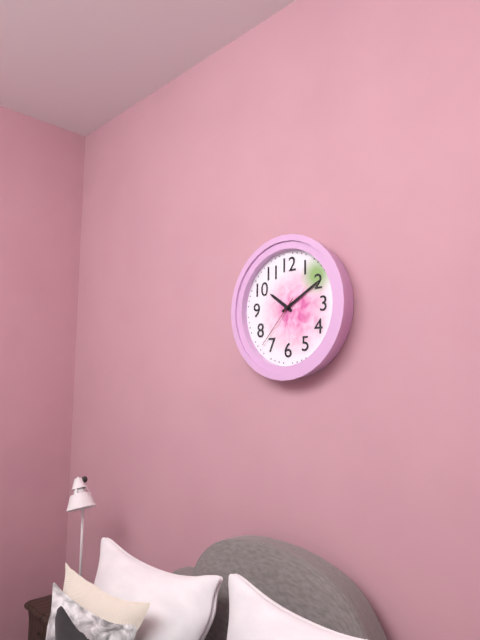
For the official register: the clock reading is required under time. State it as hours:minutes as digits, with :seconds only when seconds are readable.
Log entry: 10:10:37
